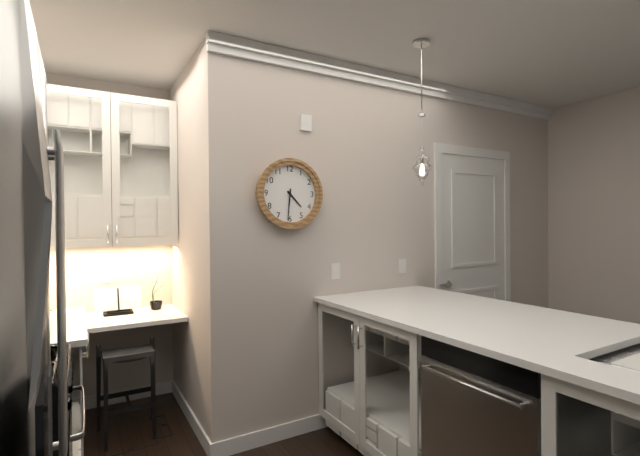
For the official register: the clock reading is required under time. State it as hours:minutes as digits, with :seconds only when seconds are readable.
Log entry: 4:31
